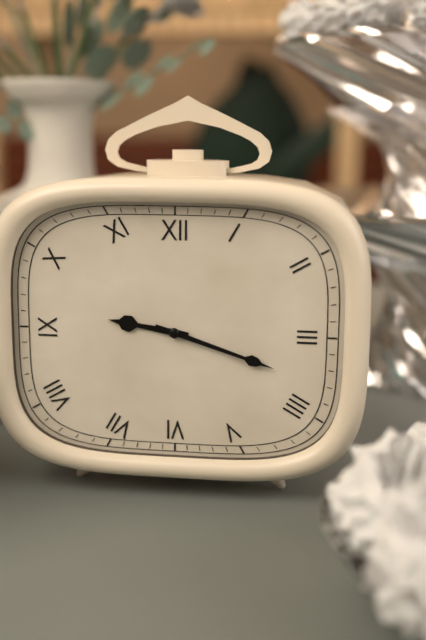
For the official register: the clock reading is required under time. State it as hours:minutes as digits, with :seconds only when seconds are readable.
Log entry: 9:18
